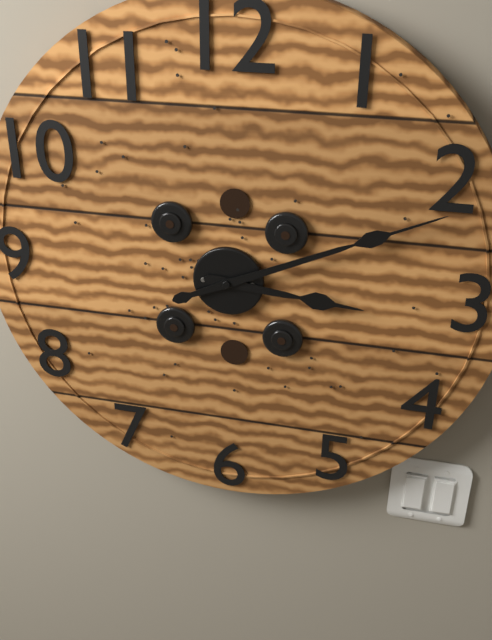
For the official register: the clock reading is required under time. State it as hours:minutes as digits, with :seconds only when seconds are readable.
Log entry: 3:11
